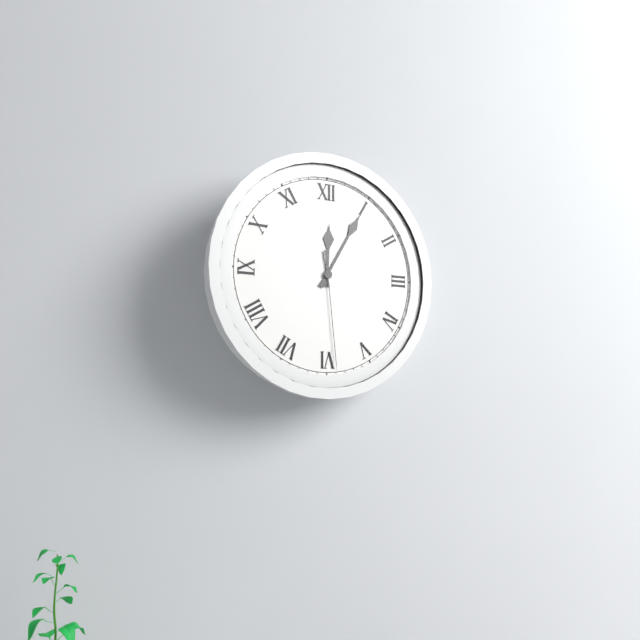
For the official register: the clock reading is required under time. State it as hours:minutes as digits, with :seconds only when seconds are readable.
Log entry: 12:05:29
